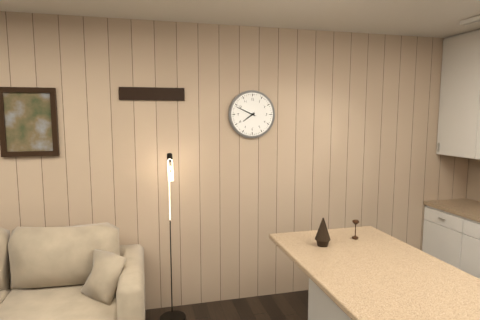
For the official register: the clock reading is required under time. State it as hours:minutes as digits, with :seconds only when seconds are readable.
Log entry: 7:49
